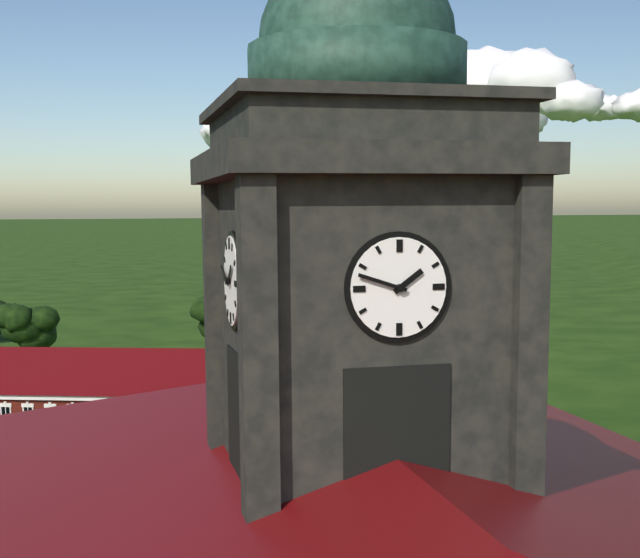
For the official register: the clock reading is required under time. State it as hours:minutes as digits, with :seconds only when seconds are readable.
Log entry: 1:48
